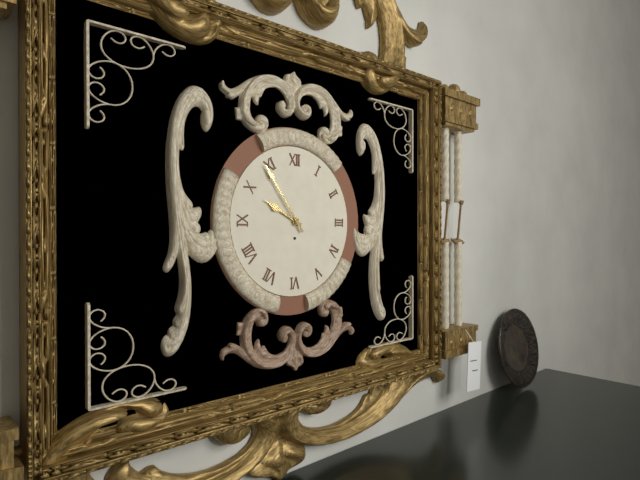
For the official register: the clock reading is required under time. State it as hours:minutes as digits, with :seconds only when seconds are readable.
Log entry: 9:54
